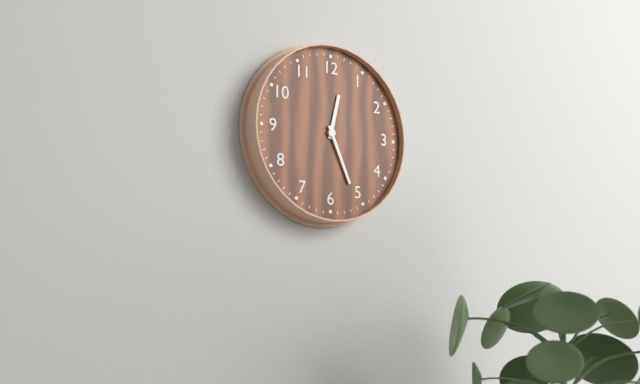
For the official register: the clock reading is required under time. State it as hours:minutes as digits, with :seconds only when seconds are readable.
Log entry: 12:26
